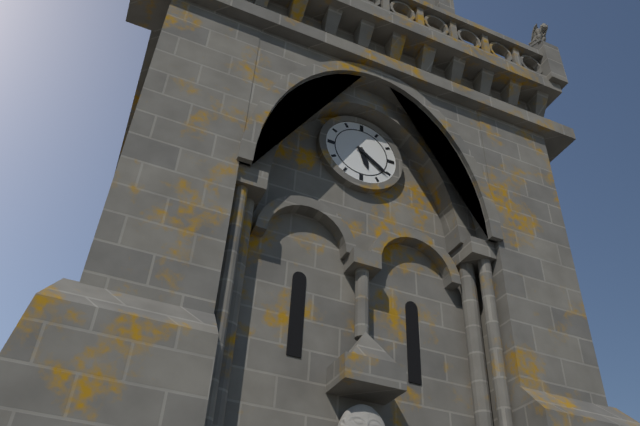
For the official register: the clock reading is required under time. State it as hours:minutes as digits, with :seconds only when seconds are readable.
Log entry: 5:21
